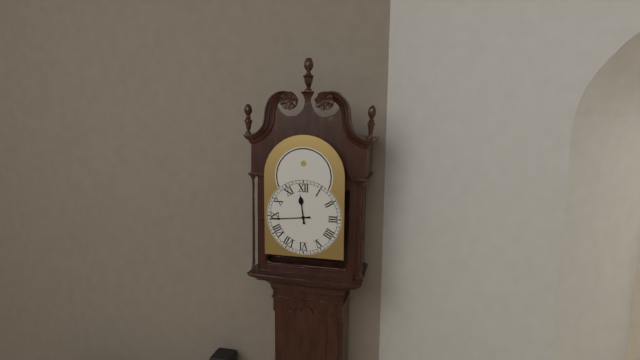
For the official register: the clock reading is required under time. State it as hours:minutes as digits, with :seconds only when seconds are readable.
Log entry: 11:44
